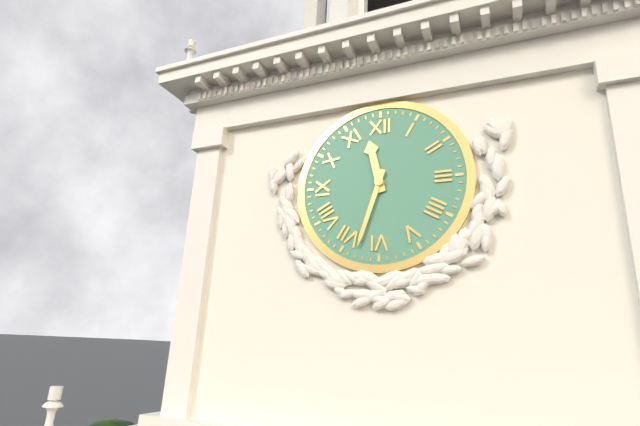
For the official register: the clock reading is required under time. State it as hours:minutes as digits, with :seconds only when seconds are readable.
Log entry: 11:33
